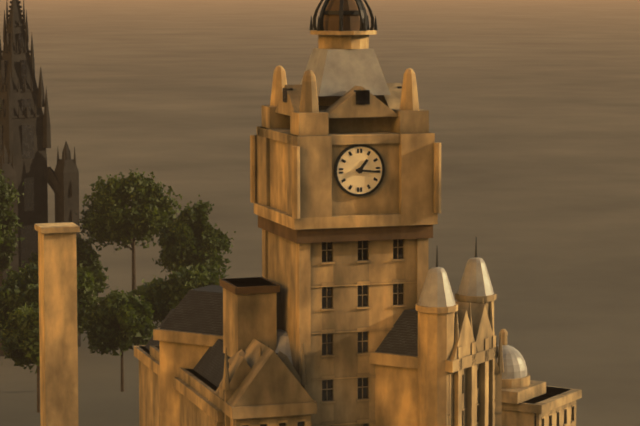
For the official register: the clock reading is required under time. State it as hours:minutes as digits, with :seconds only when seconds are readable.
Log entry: 1:16
